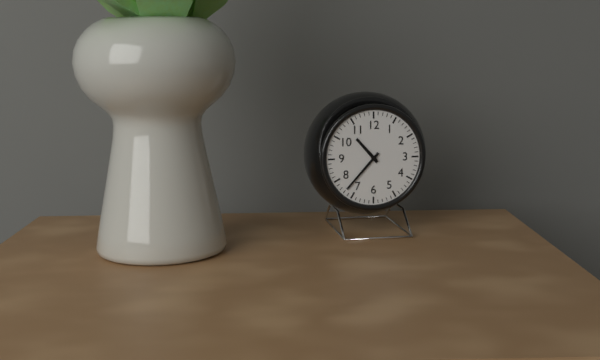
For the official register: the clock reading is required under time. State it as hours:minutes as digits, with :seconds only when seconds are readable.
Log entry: 10:37
